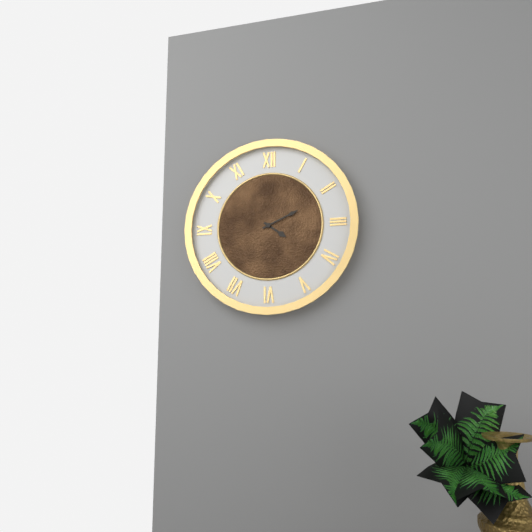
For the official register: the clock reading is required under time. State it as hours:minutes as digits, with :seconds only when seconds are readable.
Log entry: 4:11
